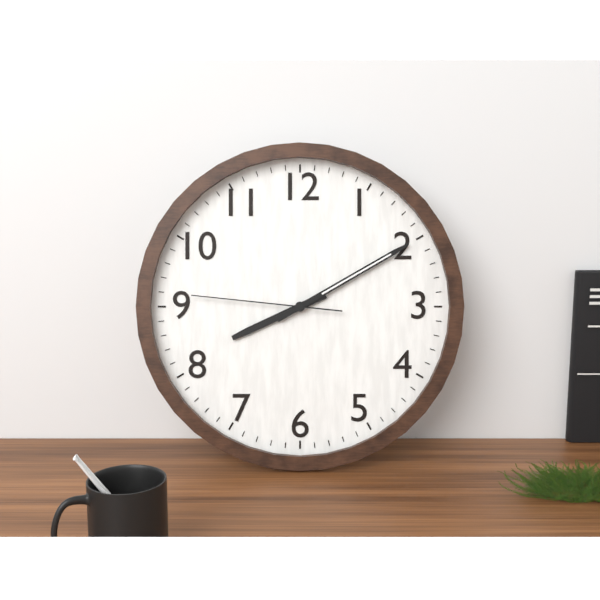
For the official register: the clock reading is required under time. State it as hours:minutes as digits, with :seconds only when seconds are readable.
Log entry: 8:10:46
